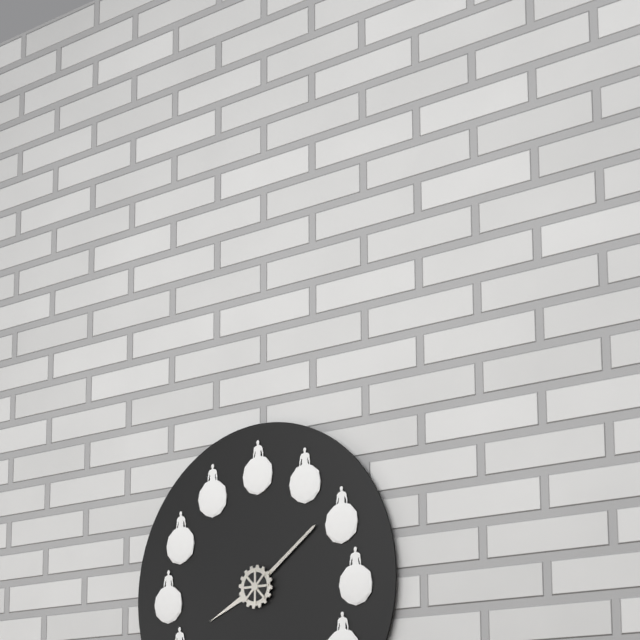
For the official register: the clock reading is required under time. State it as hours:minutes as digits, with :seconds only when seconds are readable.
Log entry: 8:09
